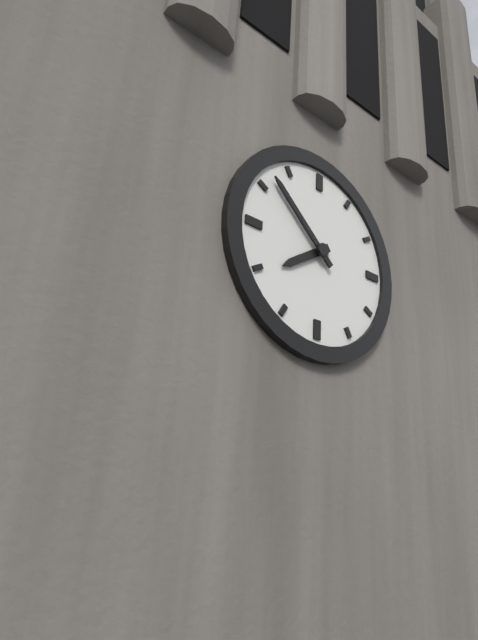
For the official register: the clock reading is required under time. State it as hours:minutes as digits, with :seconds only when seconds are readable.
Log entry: 7:52
